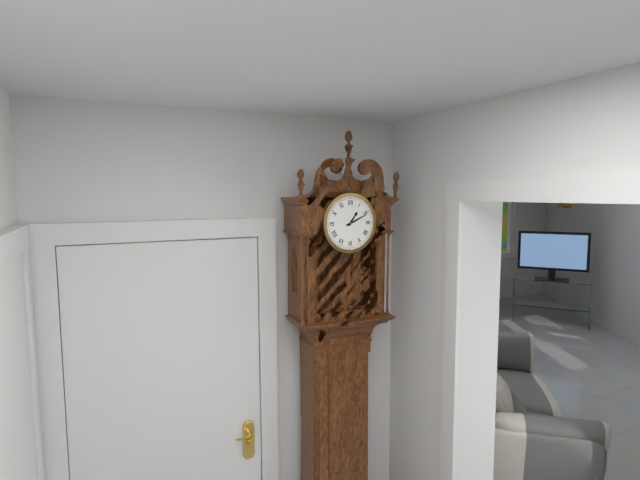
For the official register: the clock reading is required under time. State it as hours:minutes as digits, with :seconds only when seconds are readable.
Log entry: 1:11
